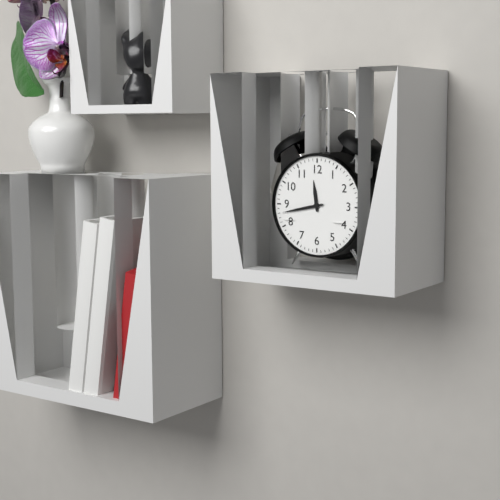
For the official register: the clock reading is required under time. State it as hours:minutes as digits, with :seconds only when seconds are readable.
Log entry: 11:43
